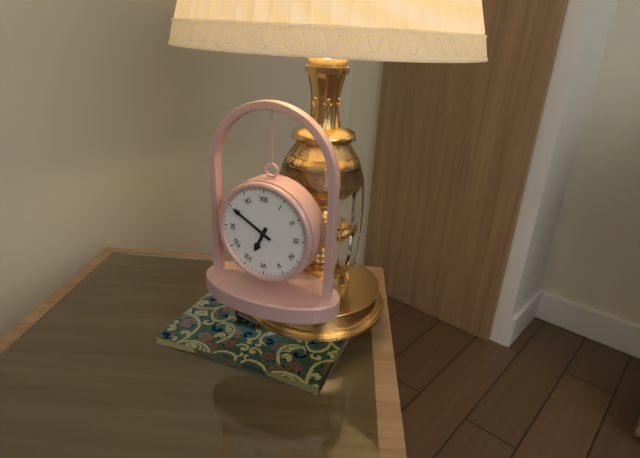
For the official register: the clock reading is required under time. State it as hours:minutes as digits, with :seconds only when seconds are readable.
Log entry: 6:50
